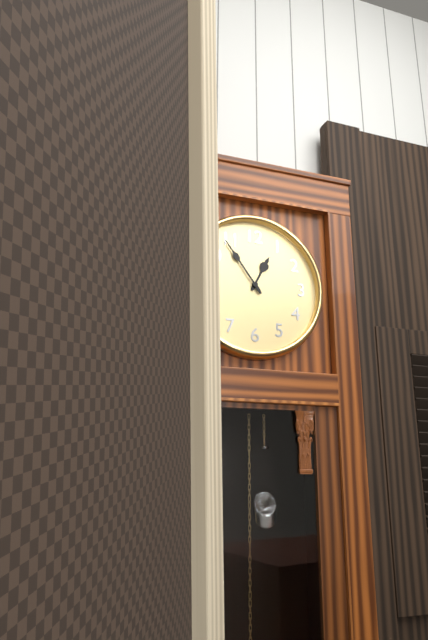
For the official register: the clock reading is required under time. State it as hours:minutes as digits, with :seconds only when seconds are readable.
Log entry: 12:54
